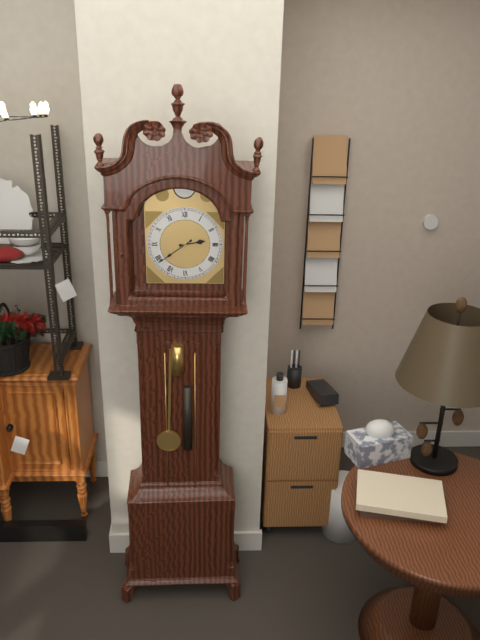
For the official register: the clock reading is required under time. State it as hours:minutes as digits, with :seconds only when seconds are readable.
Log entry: 2:39
